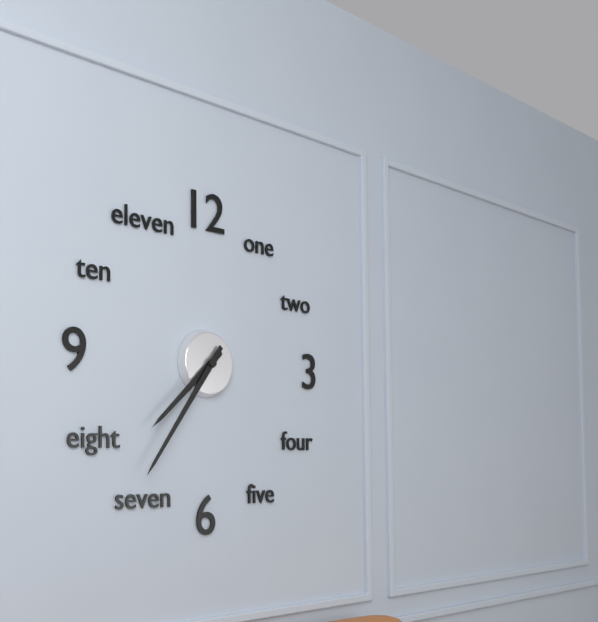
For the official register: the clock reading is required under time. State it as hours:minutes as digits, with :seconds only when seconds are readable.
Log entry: 7:36
